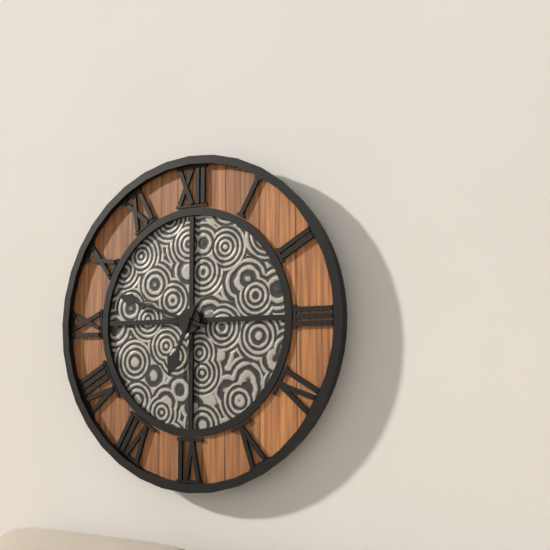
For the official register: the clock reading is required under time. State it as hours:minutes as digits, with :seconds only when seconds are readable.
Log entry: 6:48
